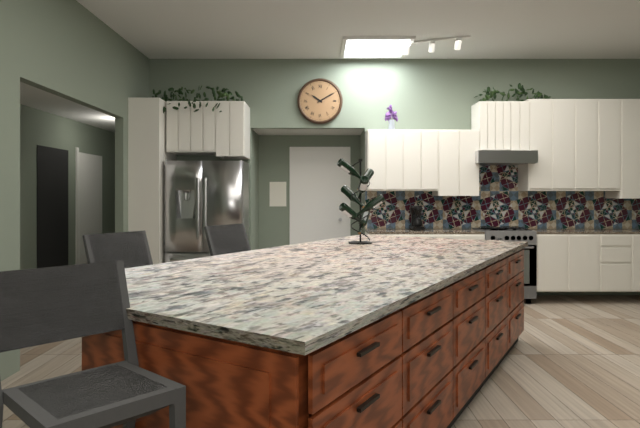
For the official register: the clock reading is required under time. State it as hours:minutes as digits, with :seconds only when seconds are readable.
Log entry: 10:10
